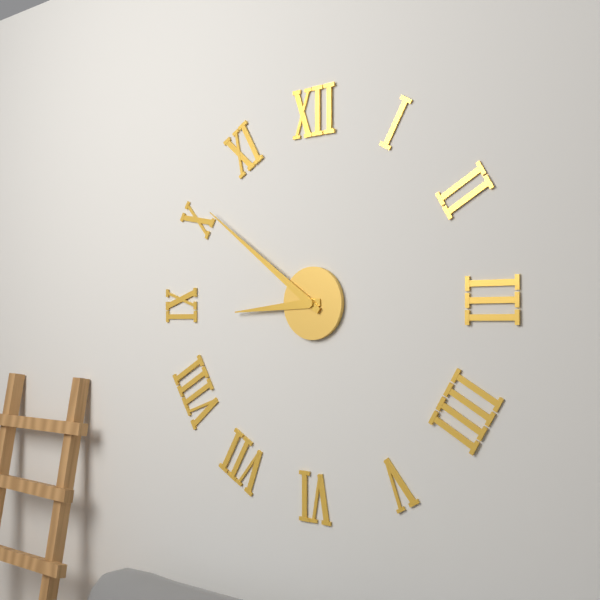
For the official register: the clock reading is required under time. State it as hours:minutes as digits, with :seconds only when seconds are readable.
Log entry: 8:51
